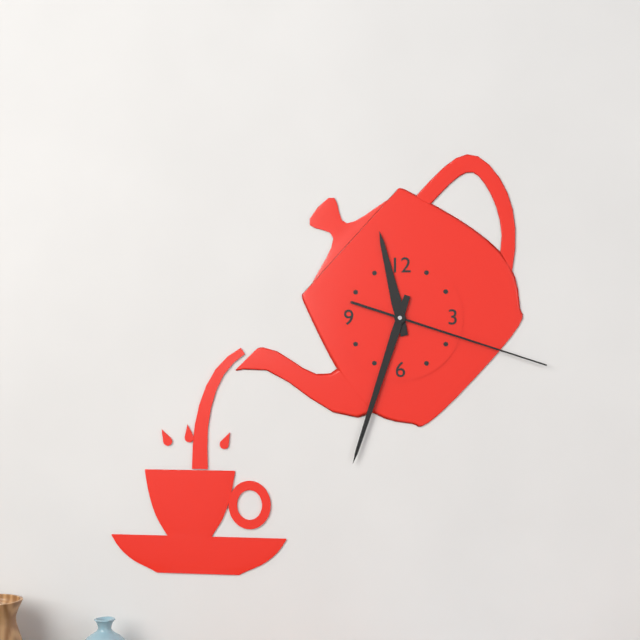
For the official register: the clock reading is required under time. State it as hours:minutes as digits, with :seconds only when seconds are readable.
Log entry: 11:33:18
